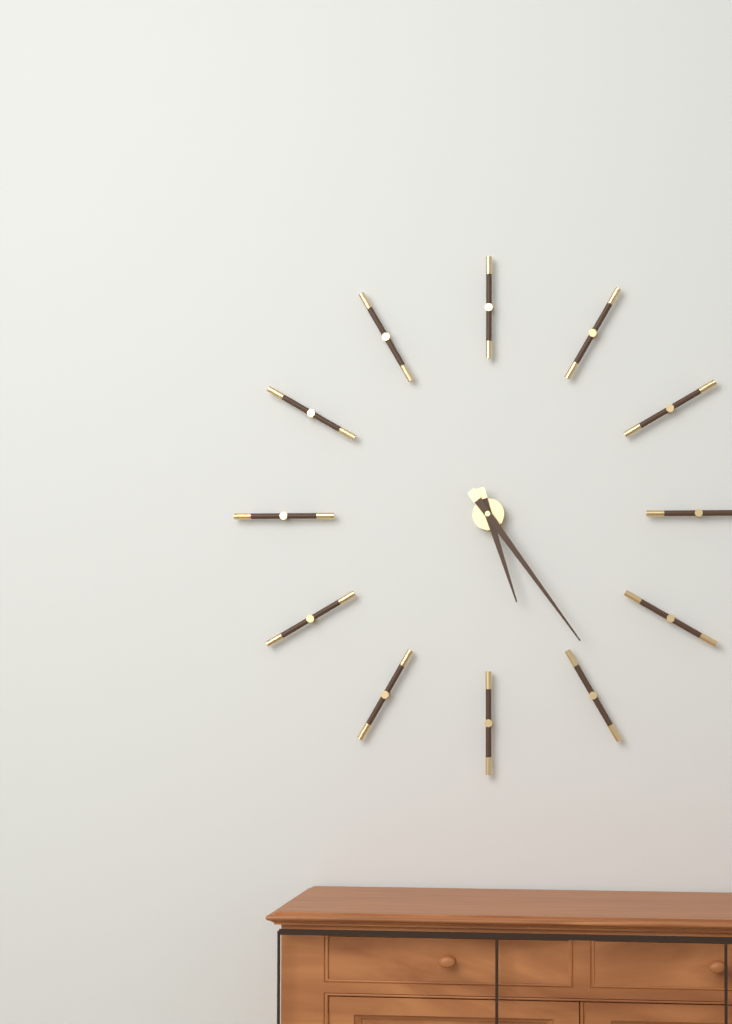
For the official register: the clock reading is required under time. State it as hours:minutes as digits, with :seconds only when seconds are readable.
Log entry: 5:24
